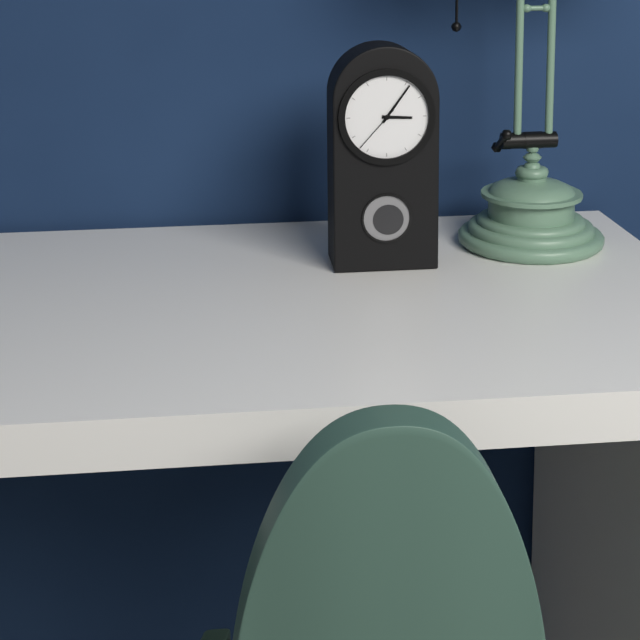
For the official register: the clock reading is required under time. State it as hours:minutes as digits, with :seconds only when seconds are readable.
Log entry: 3:06:37
